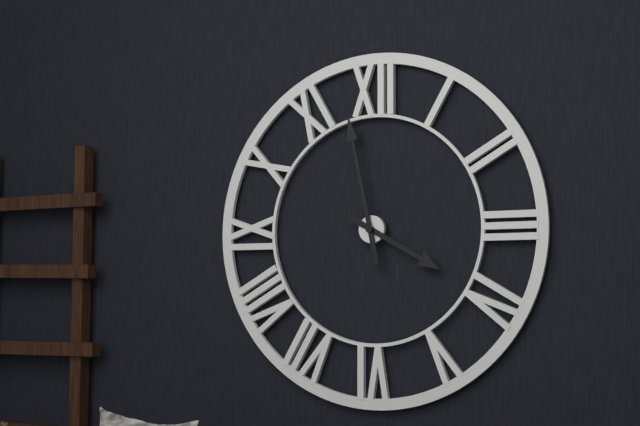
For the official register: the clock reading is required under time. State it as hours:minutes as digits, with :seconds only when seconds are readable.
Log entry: 3:58
